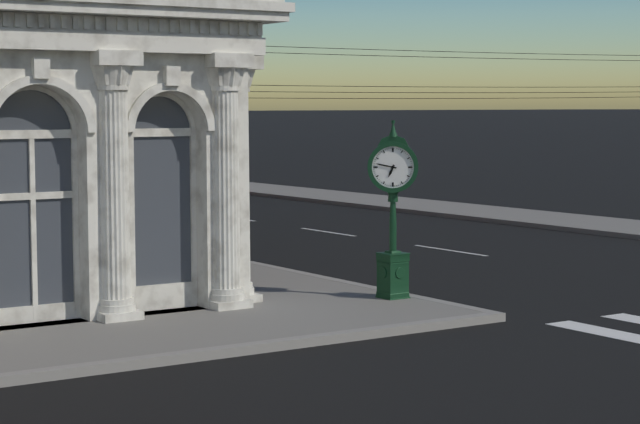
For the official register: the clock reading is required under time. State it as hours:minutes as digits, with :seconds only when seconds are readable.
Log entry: 6:47
